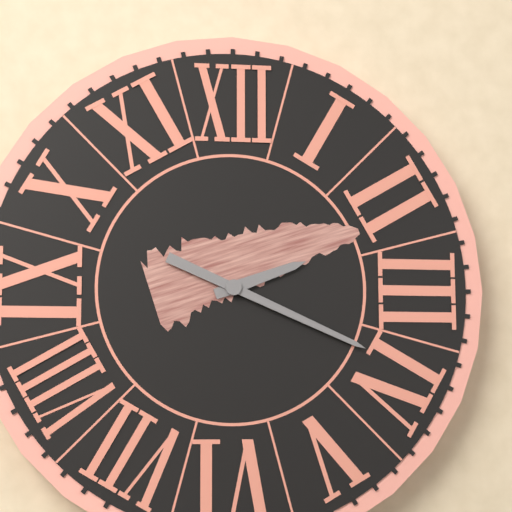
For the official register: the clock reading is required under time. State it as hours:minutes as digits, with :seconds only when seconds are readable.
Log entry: 2:19
